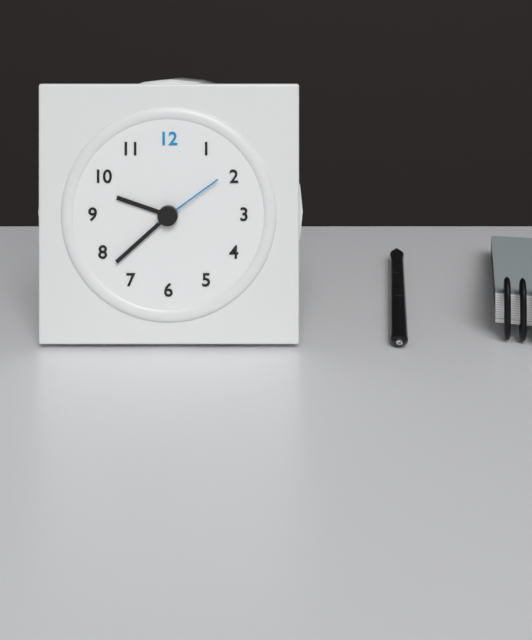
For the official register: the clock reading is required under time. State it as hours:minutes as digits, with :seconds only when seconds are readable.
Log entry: 9:38:09
